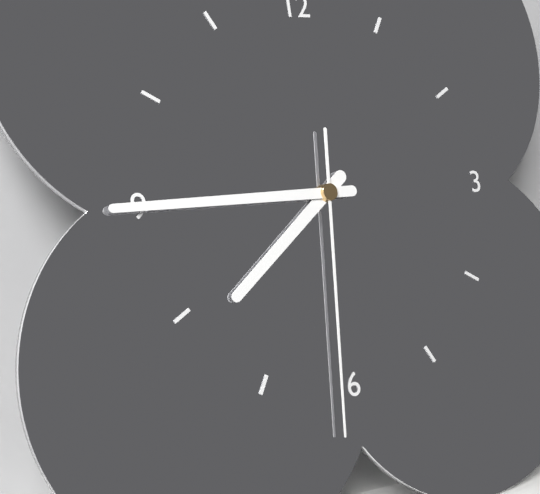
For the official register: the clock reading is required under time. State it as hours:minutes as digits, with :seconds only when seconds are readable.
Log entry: 7:45:31
